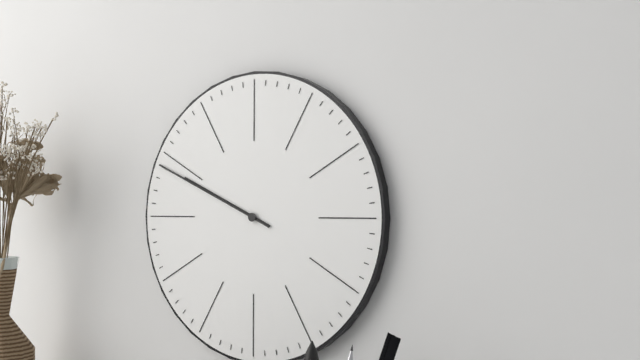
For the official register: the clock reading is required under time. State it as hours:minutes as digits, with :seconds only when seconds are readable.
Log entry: 9:49
